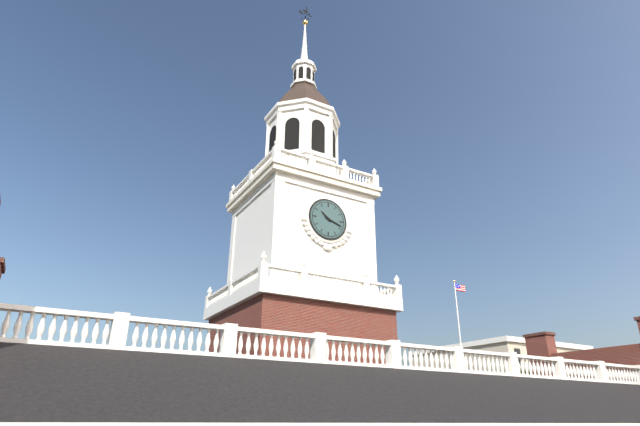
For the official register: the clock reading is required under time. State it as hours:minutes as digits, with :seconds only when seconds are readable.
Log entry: 10:18
